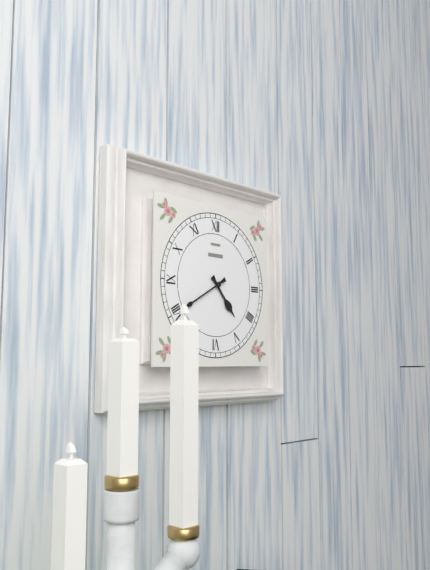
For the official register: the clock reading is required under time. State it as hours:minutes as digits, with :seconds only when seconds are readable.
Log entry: 4:40
